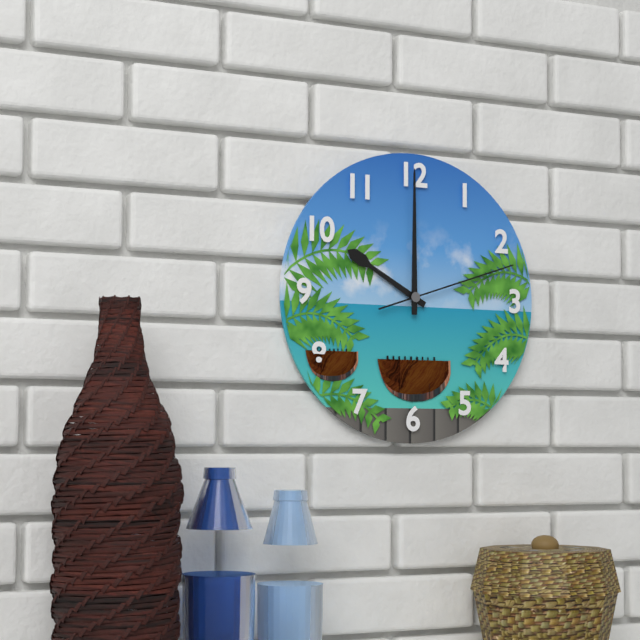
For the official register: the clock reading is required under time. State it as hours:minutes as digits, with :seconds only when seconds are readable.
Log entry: 10:00:12
